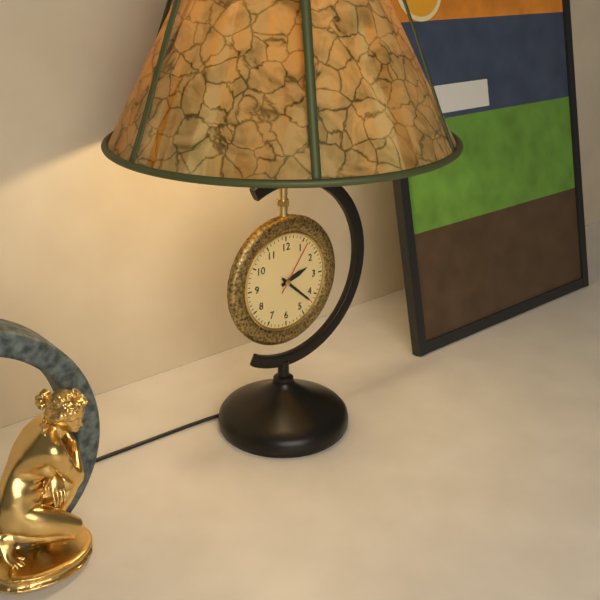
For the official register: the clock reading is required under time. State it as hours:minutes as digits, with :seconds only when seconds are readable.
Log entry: 2:22:06
